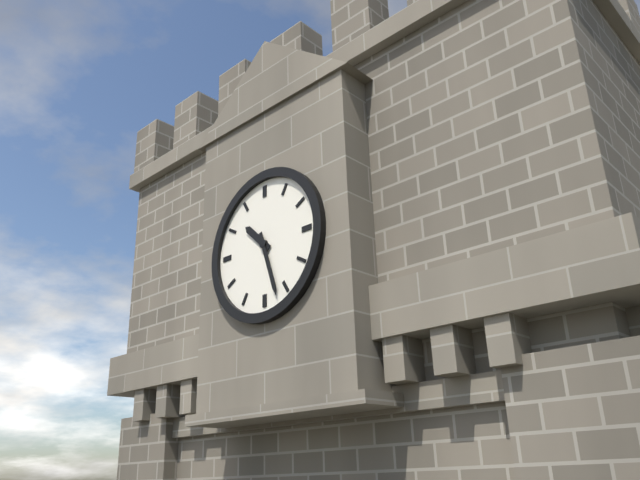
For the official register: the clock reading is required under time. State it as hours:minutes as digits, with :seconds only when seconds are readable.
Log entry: 10:27
